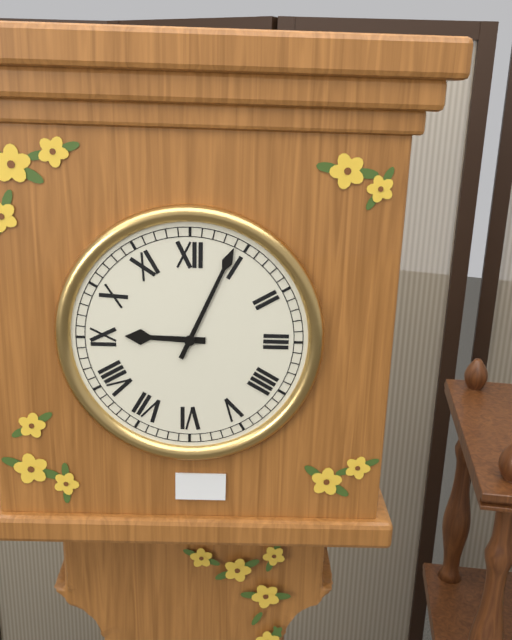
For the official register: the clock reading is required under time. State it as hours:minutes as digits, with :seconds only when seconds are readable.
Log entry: 9:04
